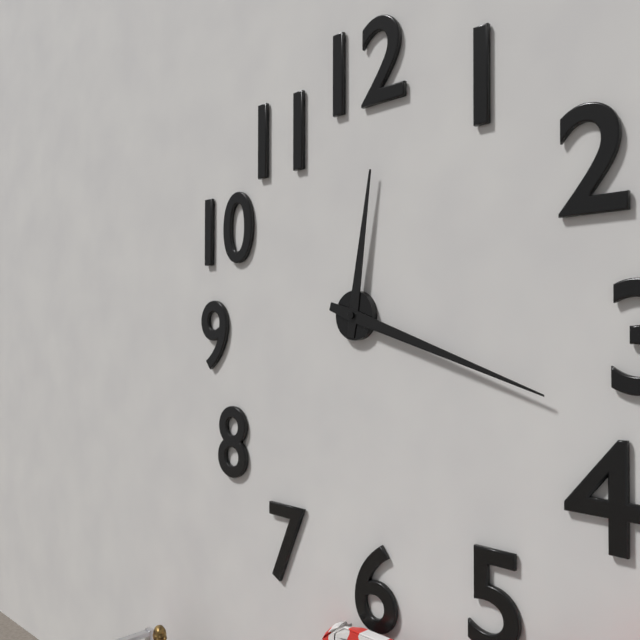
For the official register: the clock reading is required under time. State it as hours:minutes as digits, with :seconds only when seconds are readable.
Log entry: 12:18
